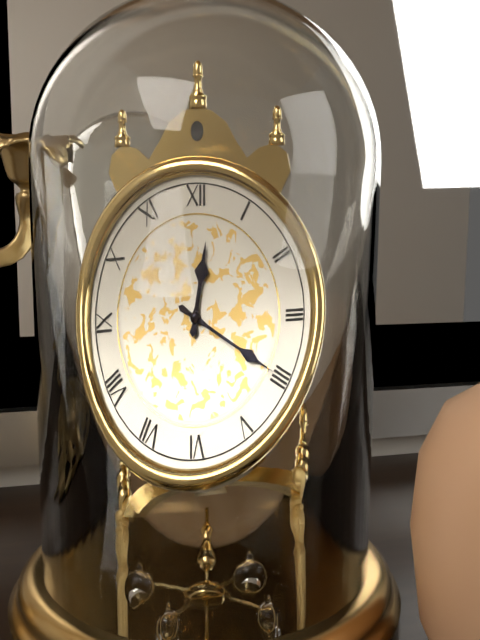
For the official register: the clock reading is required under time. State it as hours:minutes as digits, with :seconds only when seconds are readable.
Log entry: 12:20
